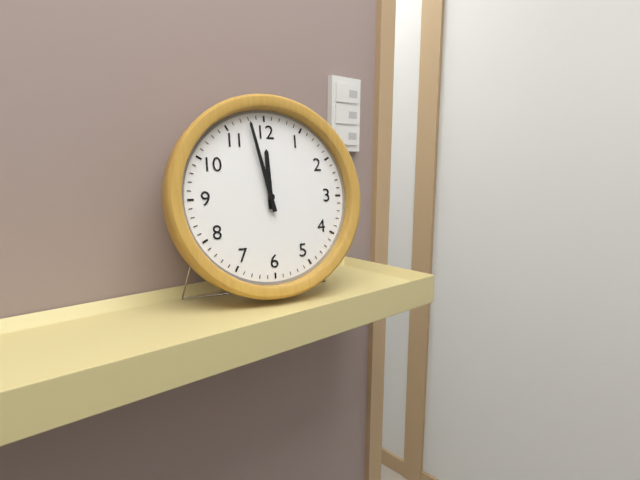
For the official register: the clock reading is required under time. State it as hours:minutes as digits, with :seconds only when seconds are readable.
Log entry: 11:58
